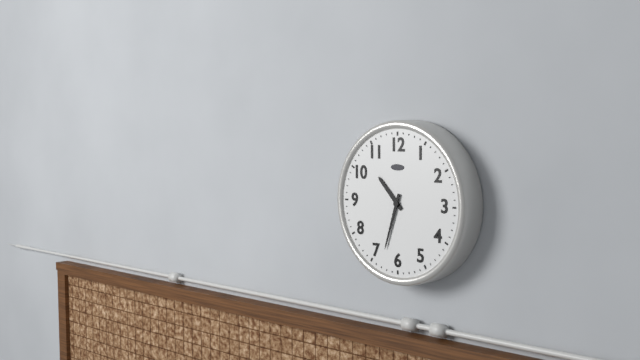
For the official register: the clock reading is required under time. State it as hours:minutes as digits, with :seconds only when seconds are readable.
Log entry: 10:33
